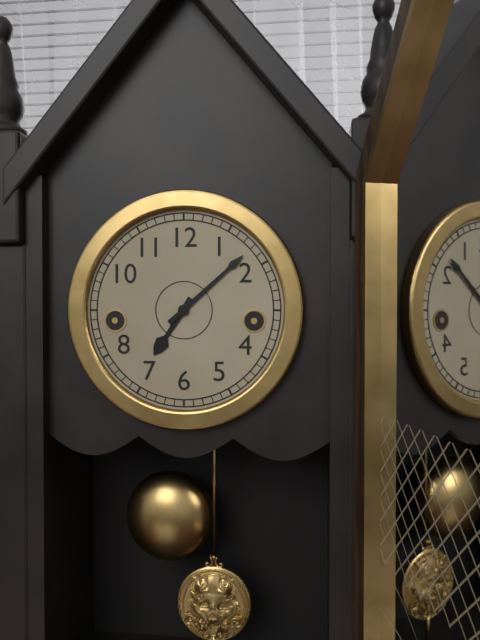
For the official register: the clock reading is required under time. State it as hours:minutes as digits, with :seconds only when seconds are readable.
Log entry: 7:08
